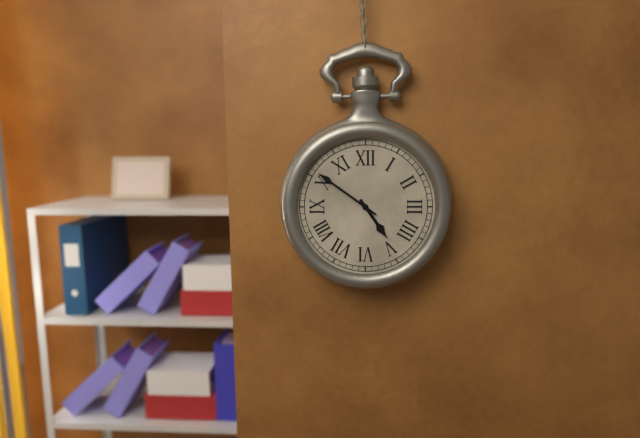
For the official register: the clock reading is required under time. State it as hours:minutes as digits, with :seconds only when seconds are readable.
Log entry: 4:51
